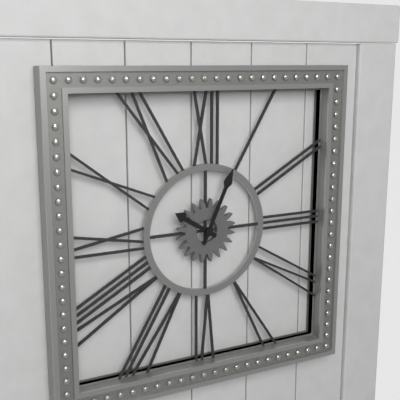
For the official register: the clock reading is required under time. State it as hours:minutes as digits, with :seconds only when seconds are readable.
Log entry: 10:04
